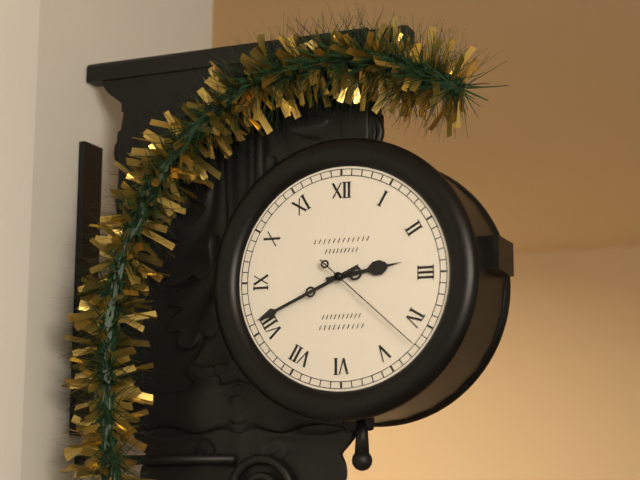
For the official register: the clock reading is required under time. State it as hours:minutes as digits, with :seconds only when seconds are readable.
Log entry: 2:41:22
